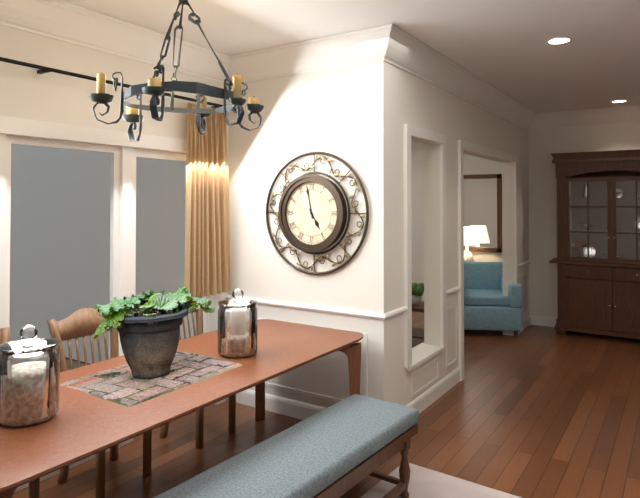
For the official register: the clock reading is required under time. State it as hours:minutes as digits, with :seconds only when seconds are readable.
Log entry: 4:58
